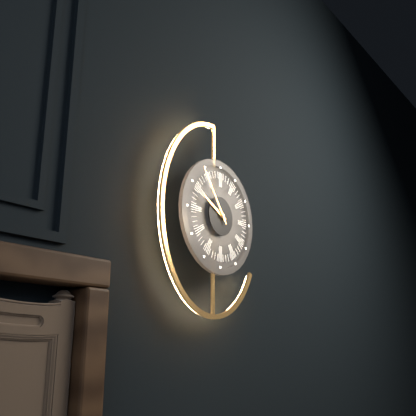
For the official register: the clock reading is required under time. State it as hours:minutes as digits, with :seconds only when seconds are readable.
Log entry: 9:54
